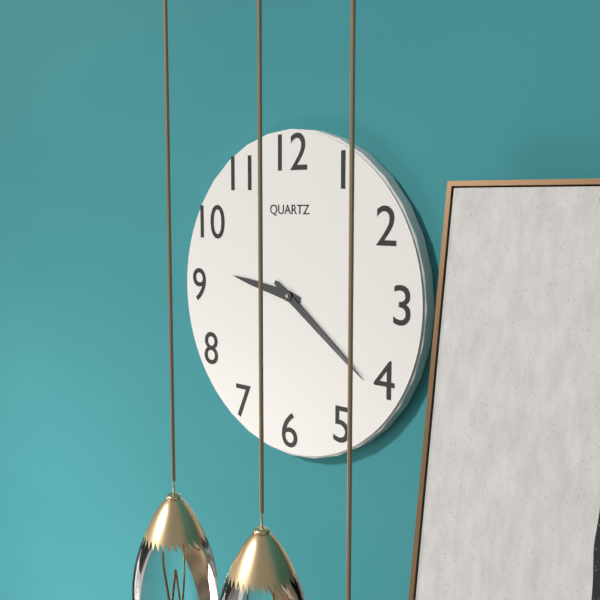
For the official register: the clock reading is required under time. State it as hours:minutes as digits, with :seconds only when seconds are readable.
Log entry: 9:21
